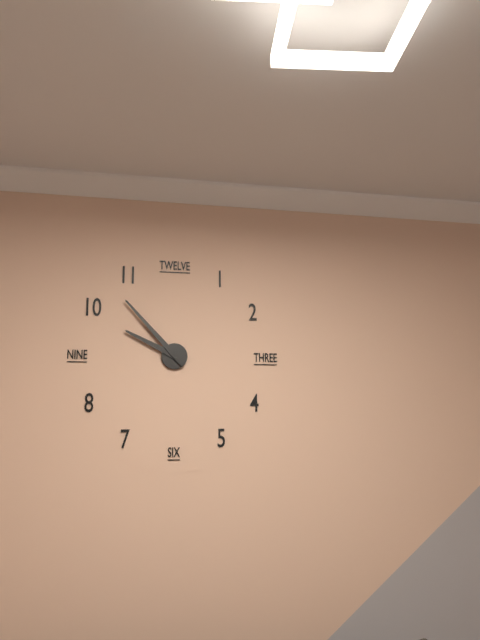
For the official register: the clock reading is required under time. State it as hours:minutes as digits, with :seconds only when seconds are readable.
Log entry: 9:53
